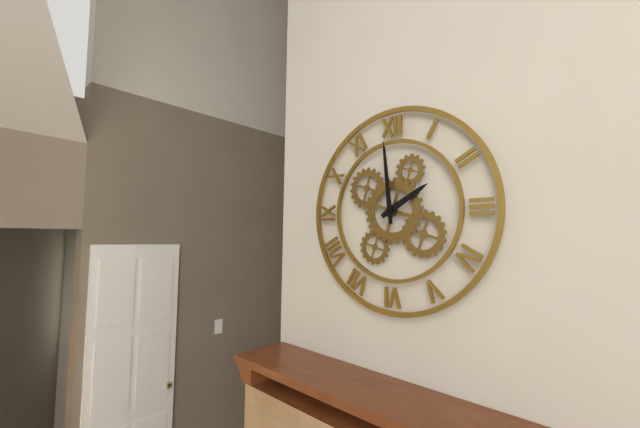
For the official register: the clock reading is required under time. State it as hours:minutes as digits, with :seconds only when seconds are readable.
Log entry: 1:59
